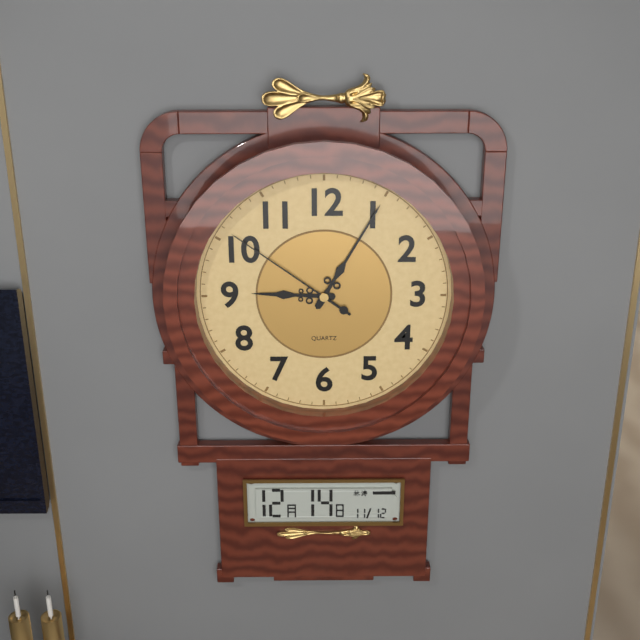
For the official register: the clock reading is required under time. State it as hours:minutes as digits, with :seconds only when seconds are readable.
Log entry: 9:05:51
